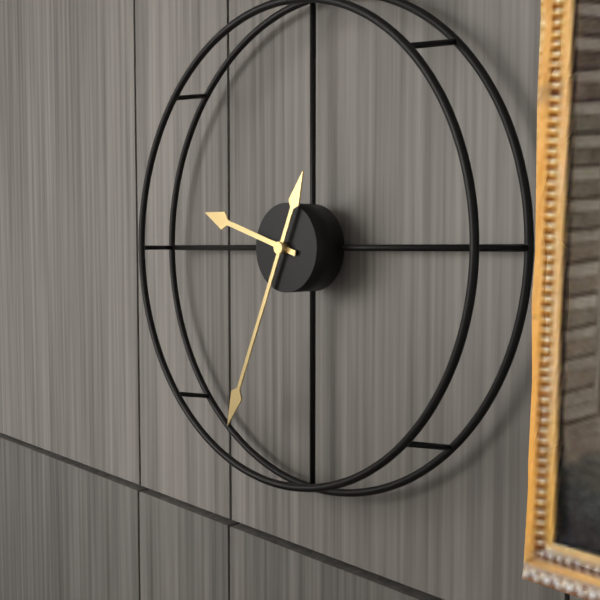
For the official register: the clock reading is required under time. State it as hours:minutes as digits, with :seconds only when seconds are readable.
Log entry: 9:34
